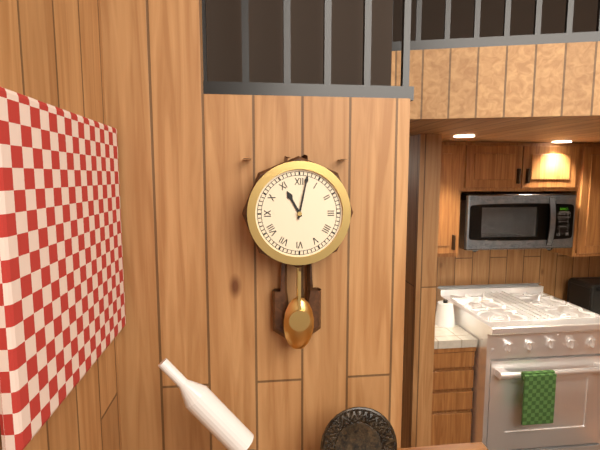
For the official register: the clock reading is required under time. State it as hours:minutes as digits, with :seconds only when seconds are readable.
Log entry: 11:02
